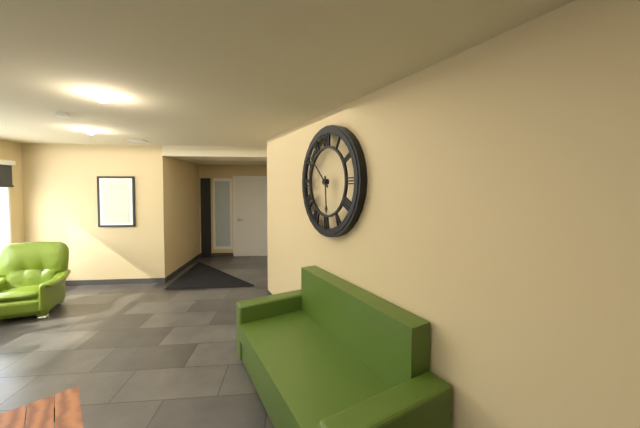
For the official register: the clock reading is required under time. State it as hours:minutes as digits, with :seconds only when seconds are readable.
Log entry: 5:52
